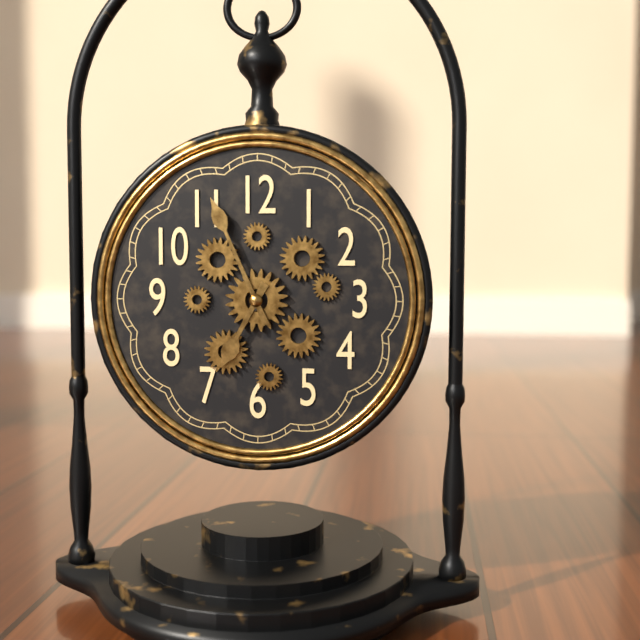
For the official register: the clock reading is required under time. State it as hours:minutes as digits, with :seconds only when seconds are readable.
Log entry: 6:56
